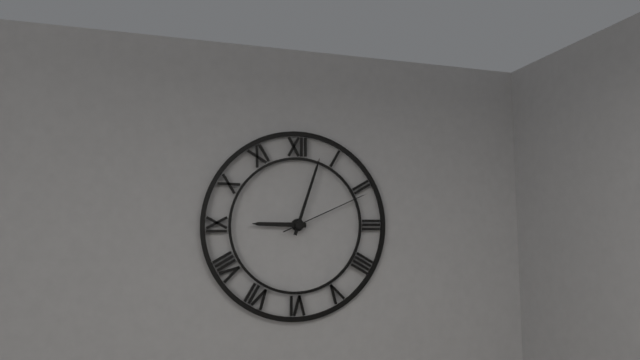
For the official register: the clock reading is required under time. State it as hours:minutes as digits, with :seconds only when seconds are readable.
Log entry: 9:03:11
